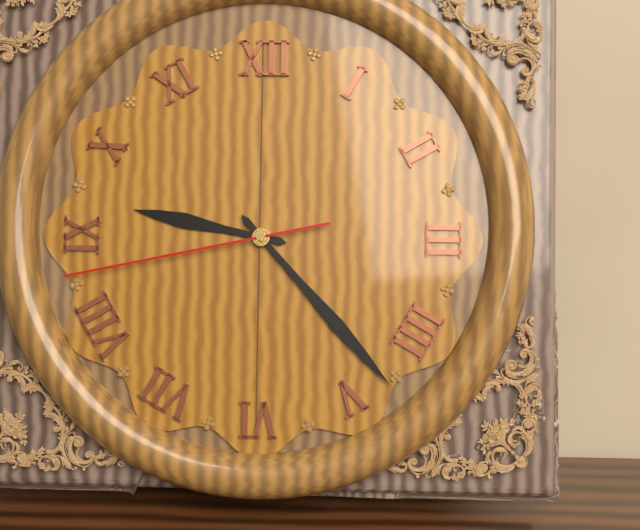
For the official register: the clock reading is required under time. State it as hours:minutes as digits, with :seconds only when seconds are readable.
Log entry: 9:23:43
